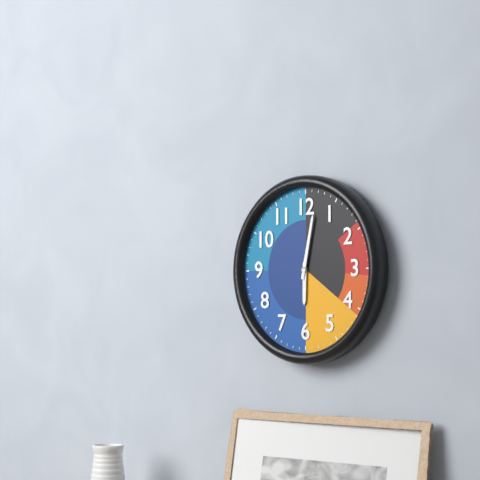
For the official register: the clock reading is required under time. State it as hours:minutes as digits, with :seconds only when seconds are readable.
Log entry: 6:02
